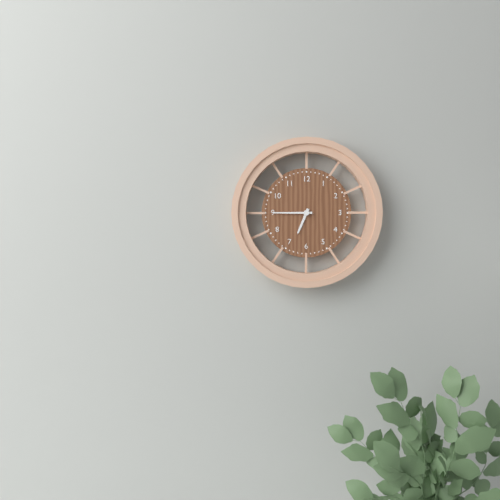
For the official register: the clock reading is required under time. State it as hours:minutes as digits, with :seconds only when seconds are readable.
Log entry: 6:45
